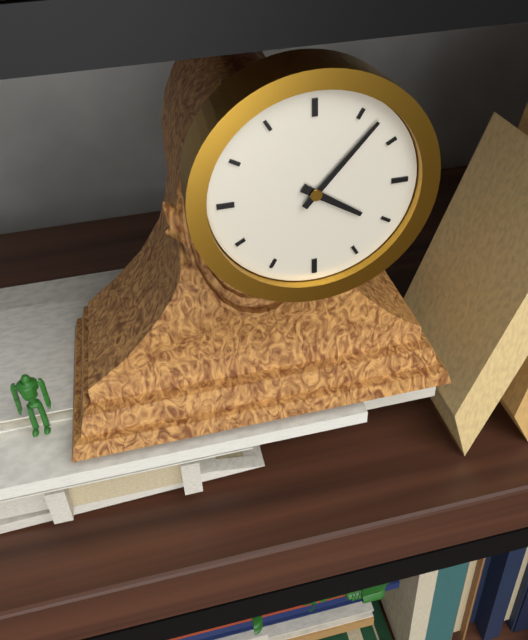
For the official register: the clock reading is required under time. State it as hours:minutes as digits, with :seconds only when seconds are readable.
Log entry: 4:07
